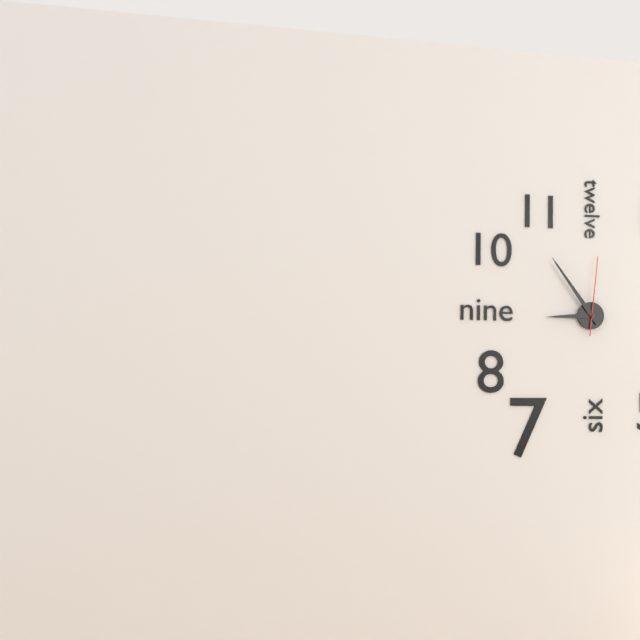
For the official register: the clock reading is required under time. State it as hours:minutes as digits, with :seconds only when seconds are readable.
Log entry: 8:54:01
